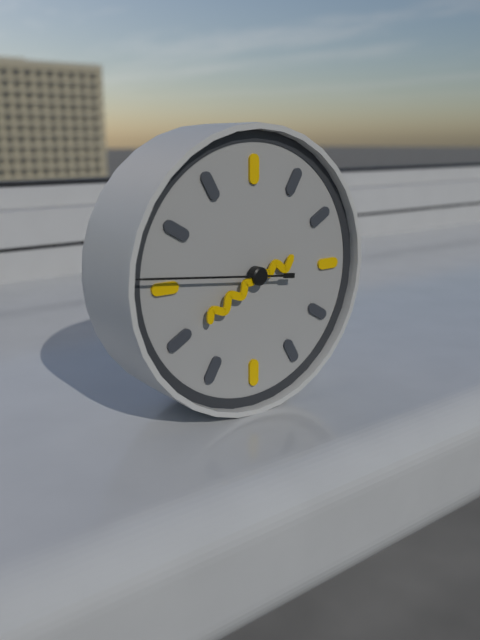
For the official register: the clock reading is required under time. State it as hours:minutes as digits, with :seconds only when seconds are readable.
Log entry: 2:40:46
